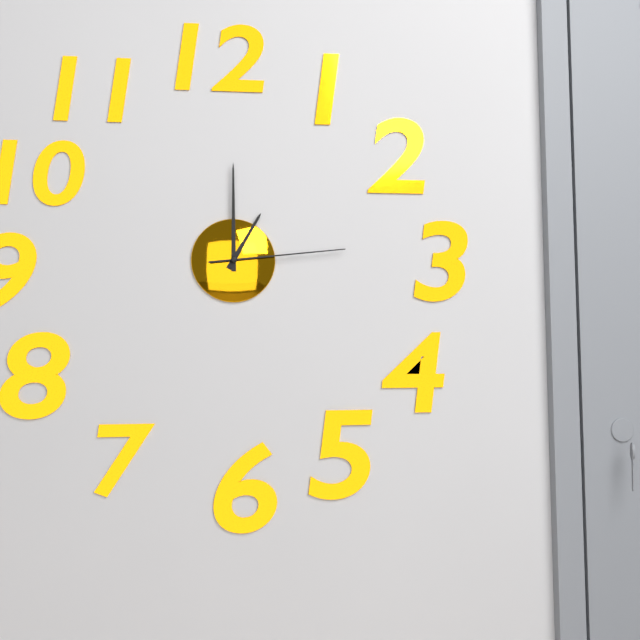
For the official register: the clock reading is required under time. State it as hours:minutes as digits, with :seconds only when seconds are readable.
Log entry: 1:00:14
